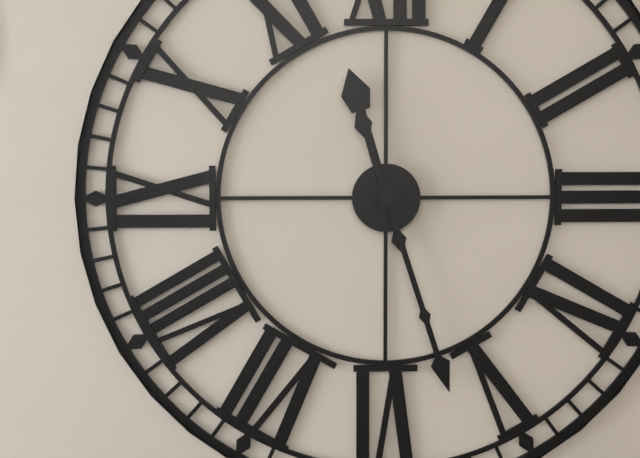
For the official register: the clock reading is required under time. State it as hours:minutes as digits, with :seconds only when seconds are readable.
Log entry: 11:27
